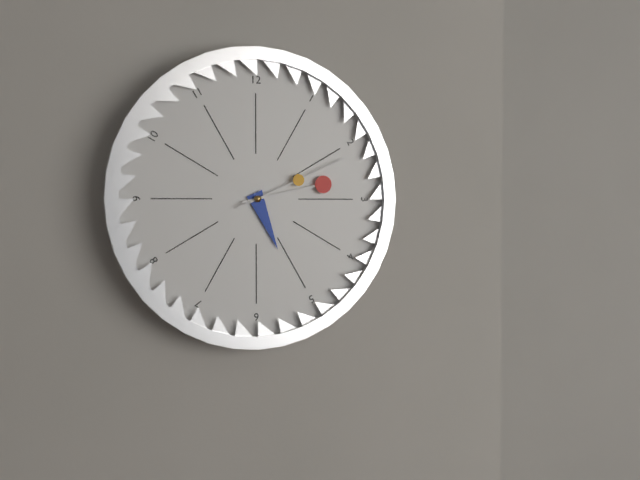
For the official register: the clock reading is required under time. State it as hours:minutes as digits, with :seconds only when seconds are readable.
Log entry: 5:13:11
